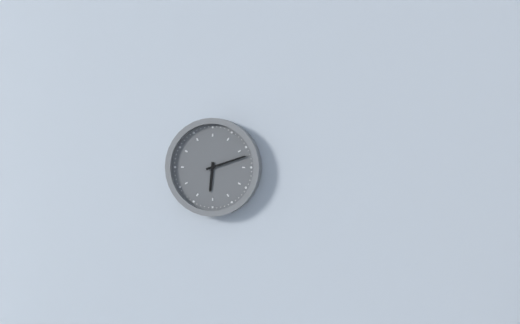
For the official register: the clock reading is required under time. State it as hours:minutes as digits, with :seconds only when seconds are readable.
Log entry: 6:12
